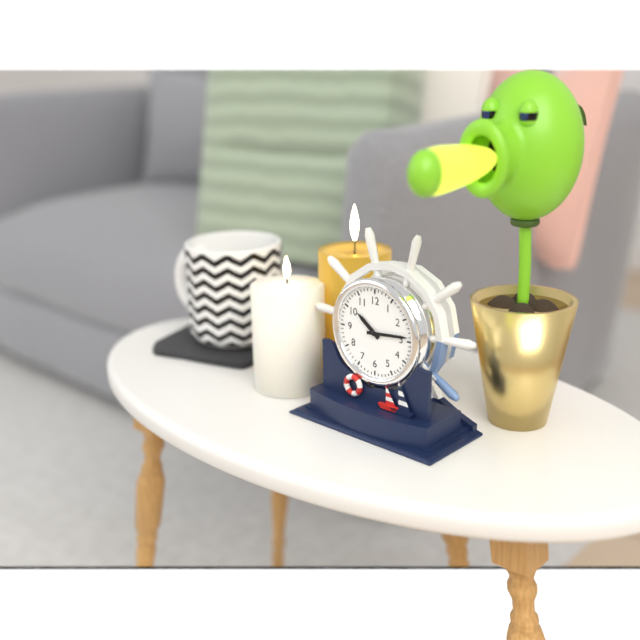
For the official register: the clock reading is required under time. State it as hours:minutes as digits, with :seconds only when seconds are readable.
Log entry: 10:14
